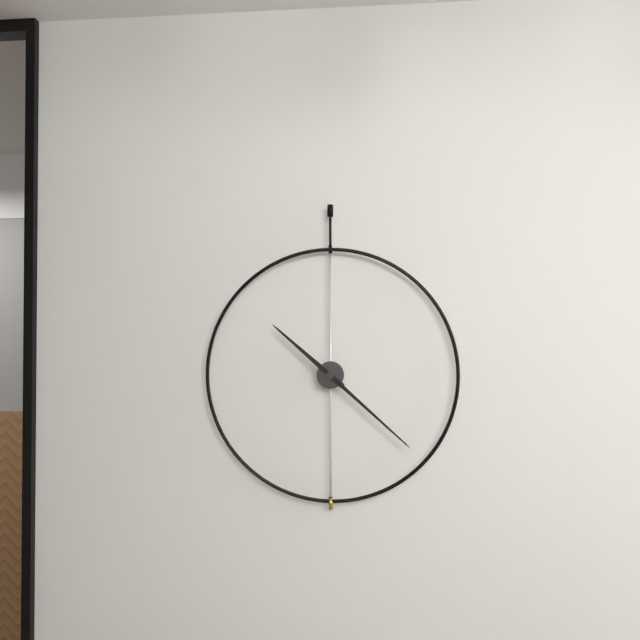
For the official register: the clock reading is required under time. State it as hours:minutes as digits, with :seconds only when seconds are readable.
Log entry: 10:22
